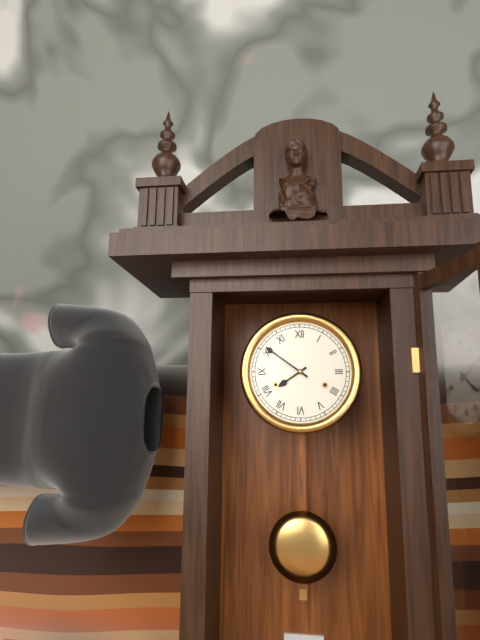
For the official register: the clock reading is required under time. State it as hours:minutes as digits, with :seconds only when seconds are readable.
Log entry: 7:51
